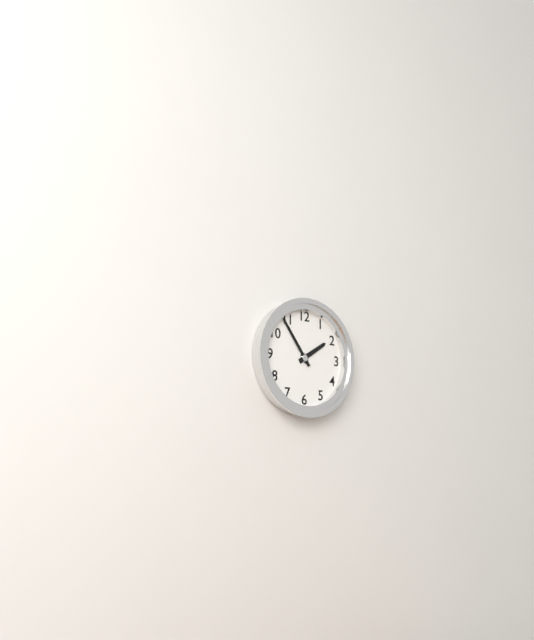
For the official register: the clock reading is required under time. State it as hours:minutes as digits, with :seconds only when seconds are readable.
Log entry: 1:54
